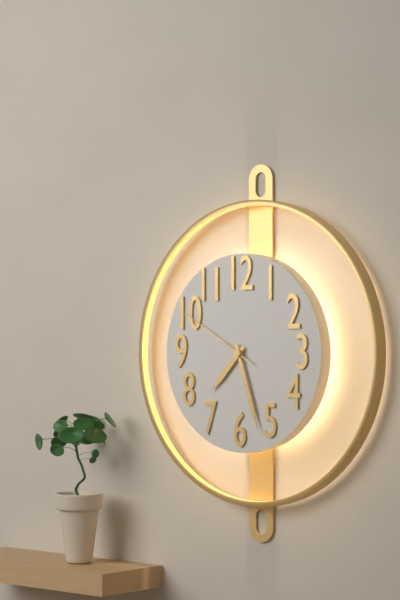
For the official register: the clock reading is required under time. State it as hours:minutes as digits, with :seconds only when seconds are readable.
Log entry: 7:27:50
